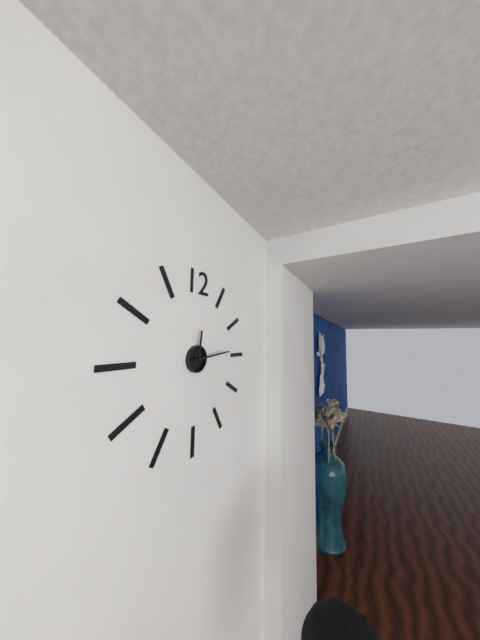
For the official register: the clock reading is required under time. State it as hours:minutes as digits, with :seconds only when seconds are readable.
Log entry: 12:14
